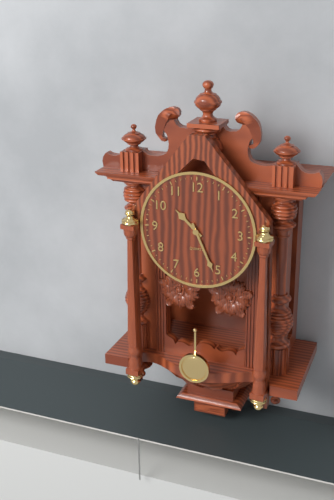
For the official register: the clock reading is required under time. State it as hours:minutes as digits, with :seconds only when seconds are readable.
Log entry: 10:26
